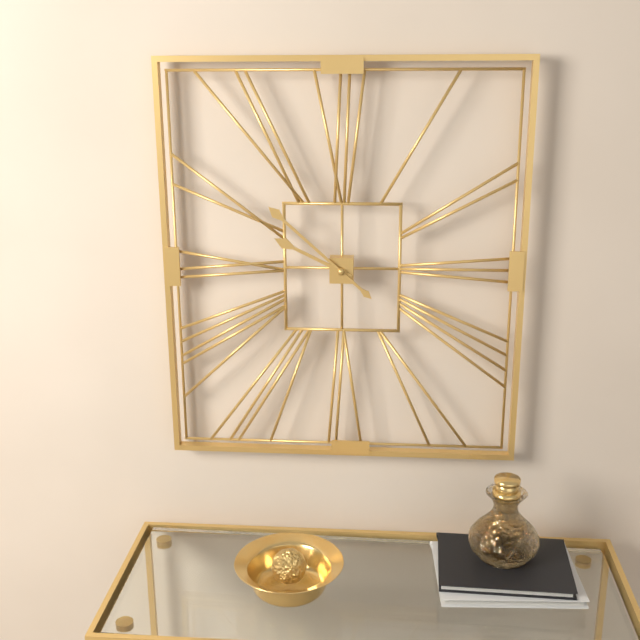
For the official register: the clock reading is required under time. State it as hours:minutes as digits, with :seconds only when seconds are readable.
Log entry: 9:52
